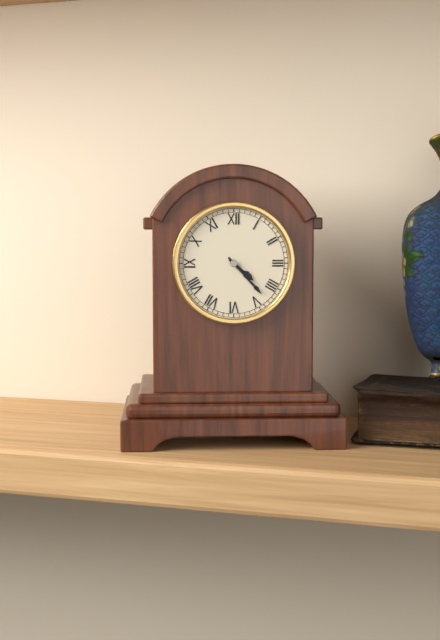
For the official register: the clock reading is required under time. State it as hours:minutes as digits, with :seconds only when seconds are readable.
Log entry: 4:23
